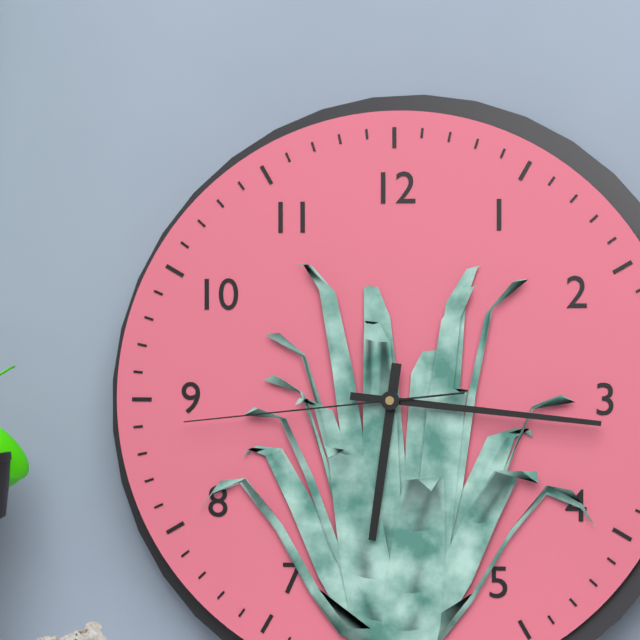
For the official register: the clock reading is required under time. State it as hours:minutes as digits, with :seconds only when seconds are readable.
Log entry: 6:16:44
